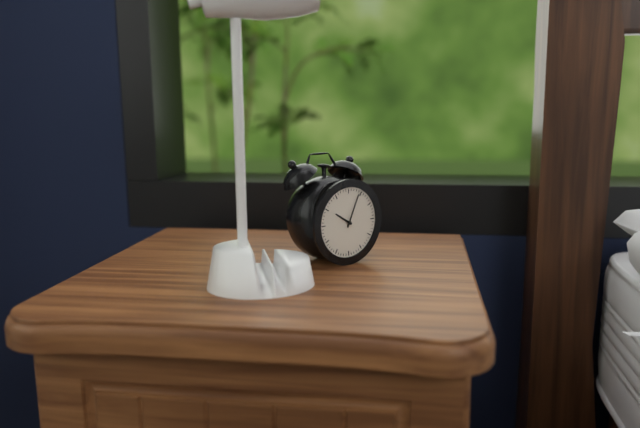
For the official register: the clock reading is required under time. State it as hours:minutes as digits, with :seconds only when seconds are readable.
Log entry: 10:04
